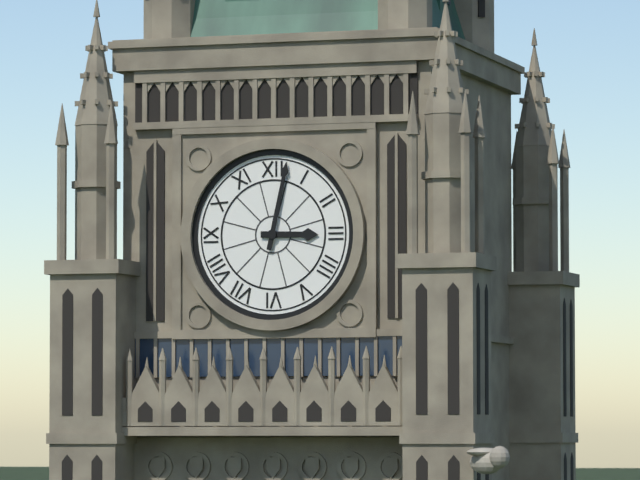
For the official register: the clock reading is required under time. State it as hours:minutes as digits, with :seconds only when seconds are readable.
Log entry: 3:02
